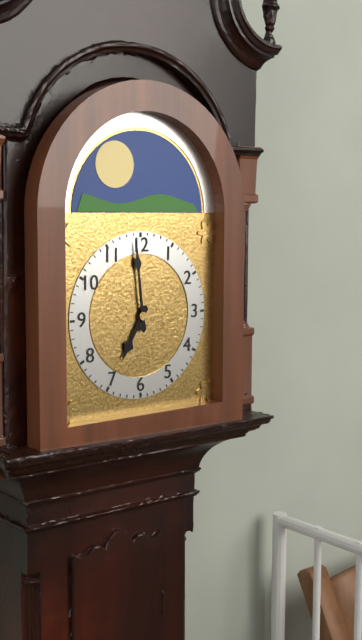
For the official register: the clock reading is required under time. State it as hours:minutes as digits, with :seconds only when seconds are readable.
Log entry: 6:59
